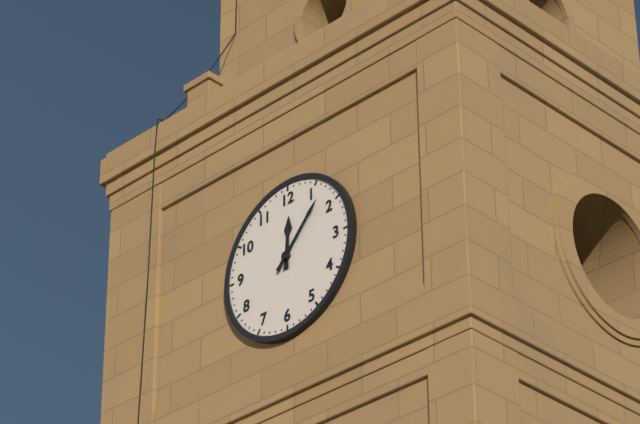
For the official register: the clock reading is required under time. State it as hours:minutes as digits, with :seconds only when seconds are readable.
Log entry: 12:07
